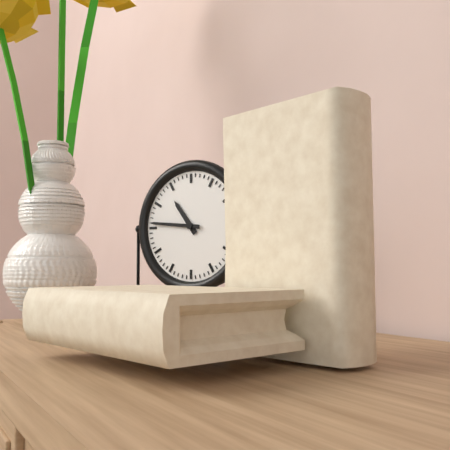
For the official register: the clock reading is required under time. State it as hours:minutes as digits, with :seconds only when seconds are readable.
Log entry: 10:46
